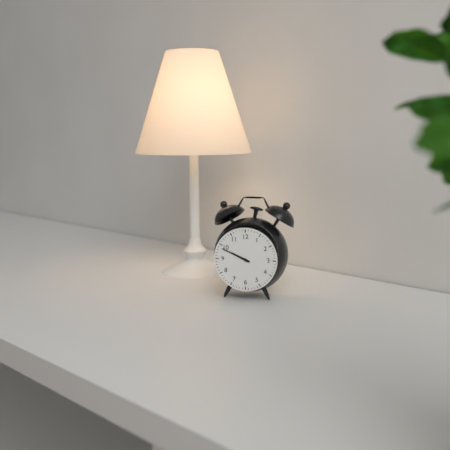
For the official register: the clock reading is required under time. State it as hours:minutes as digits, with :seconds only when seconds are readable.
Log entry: 9:49
